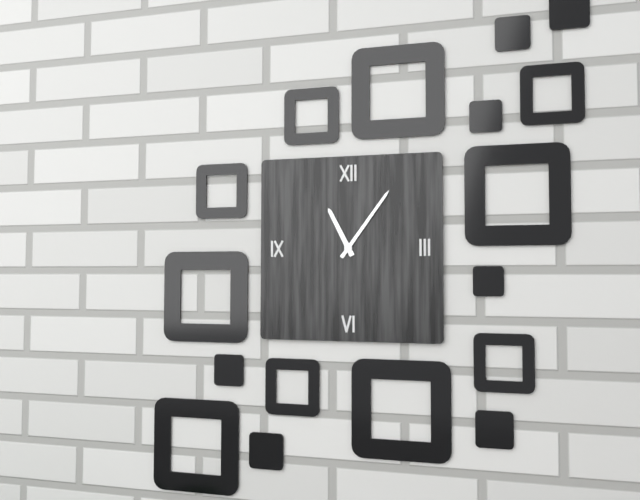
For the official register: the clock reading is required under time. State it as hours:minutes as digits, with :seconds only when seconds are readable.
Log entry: 11:06
